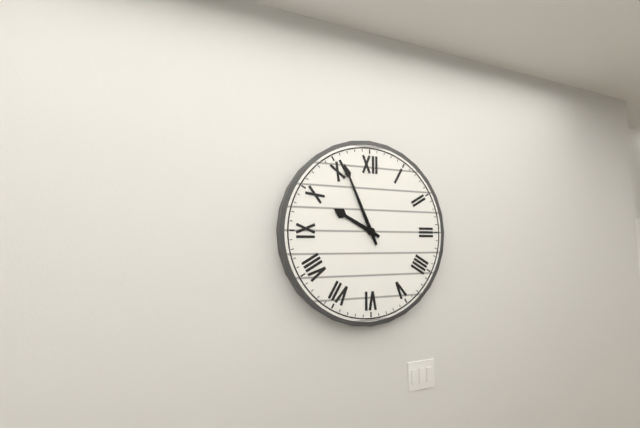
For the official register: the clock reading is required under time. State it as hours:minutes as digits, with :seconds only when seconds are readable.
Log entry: 9:56
